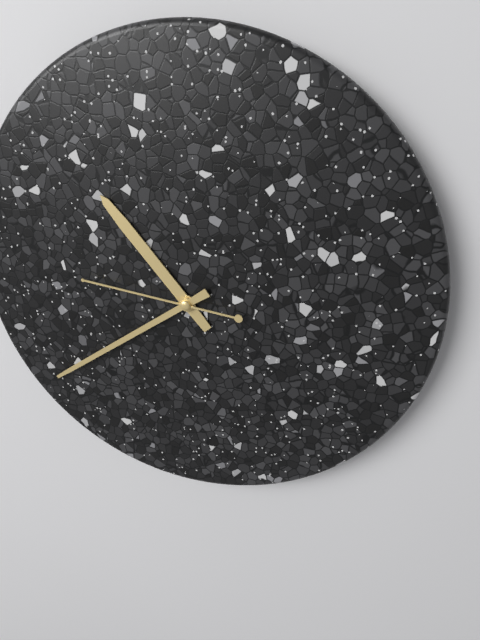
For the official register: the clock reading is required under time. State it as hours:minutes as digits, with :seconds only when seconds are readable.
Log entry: 10:39:46
